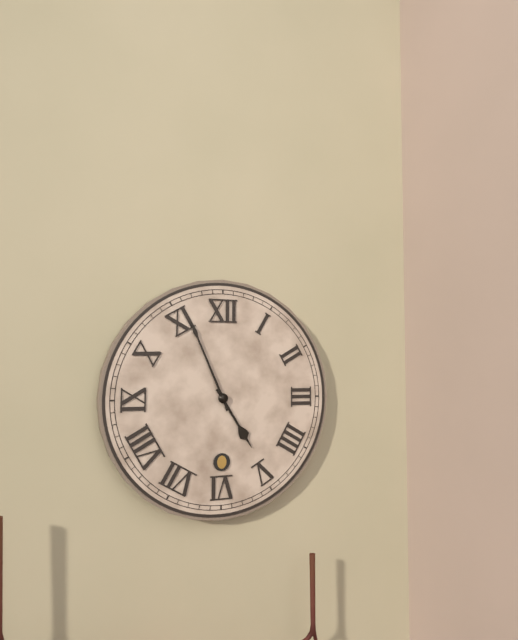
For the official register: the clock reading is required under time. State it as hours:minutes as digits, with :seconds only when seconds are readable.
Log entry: 4:56
